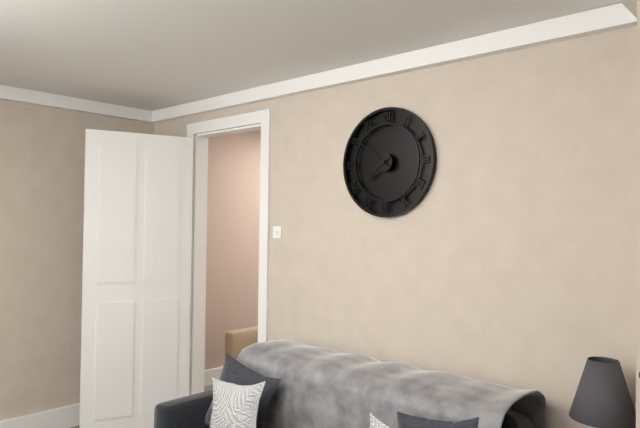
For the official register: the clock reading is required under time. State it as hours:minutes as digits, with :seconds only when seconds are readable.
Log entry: 7:51
